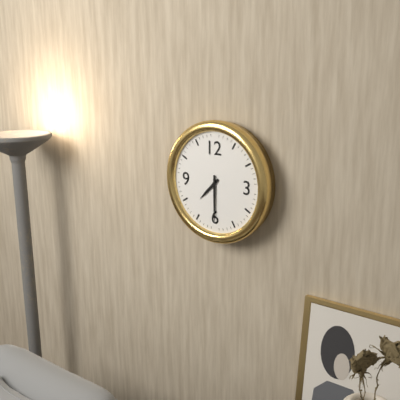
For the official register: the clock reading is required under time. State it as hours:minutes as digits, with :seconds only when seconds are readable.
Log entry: 7:30
